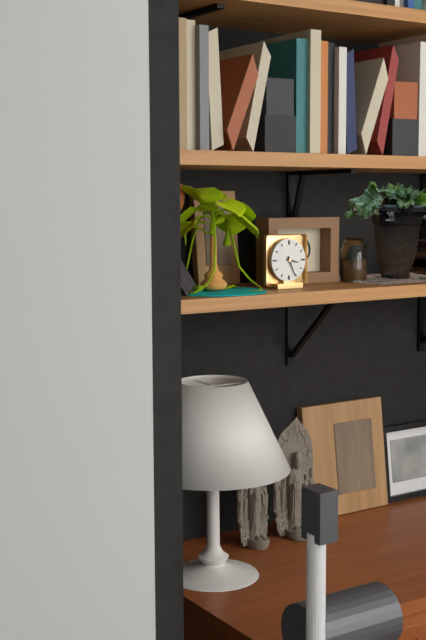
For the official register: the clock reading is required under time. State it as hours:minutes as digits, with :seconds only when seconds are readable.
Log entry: 3:26
